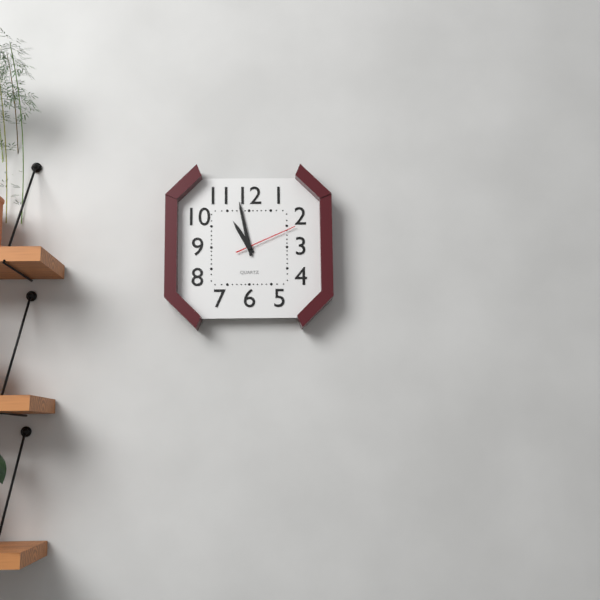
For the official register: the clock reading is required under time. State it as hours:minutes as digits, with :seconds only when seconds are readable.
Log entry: 10:58:11
